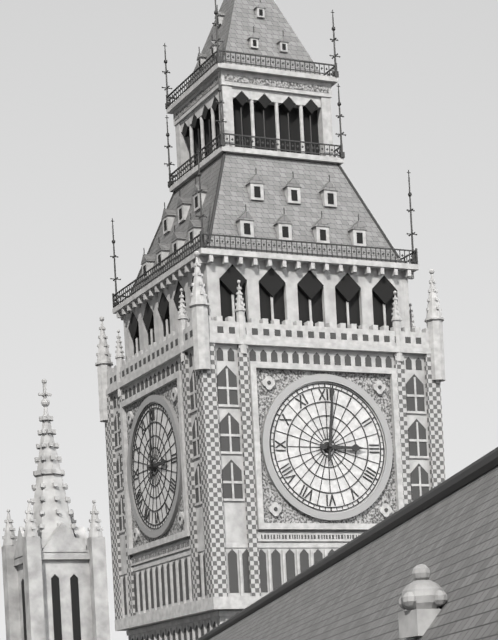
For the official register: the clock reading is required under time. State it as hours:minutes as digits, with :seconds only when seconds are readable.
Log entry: 3:01
